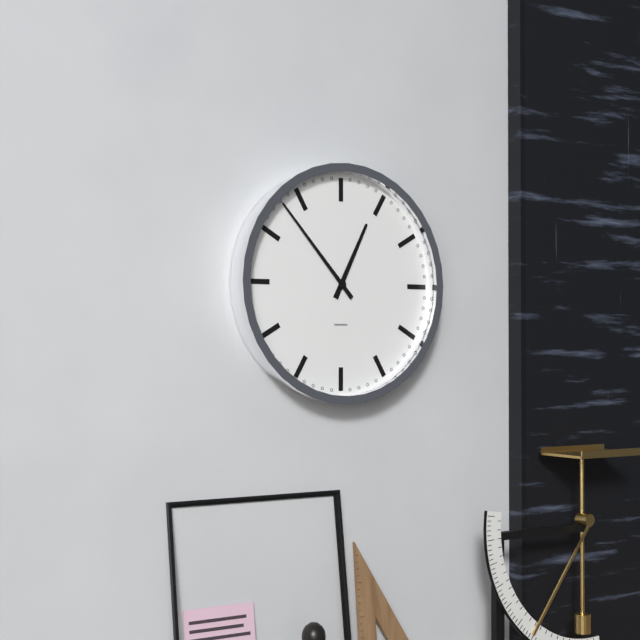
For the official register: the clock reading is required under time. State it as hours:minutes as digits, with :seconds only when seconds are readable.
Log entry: 12:53
